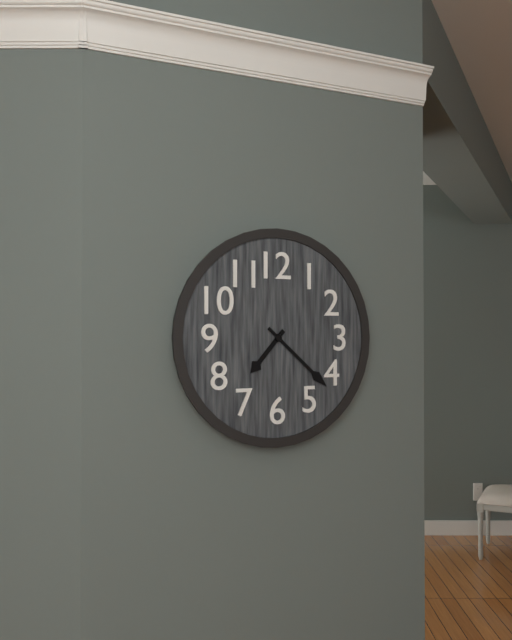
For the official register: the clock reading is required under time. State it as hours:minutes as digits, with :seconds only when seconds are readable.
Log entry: 7:22
